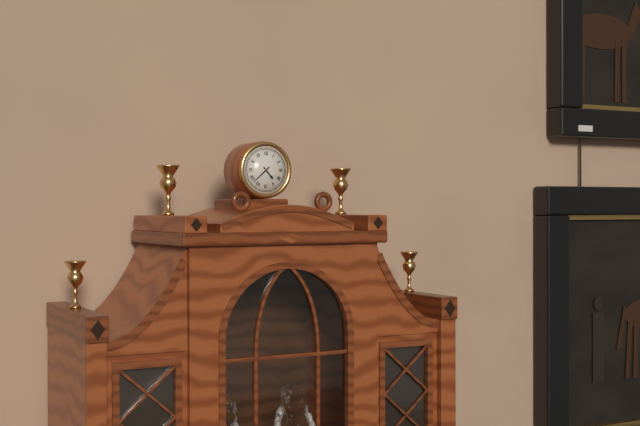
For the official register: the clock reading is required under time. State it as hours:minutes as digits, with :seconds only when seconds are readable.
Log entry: 4:38
